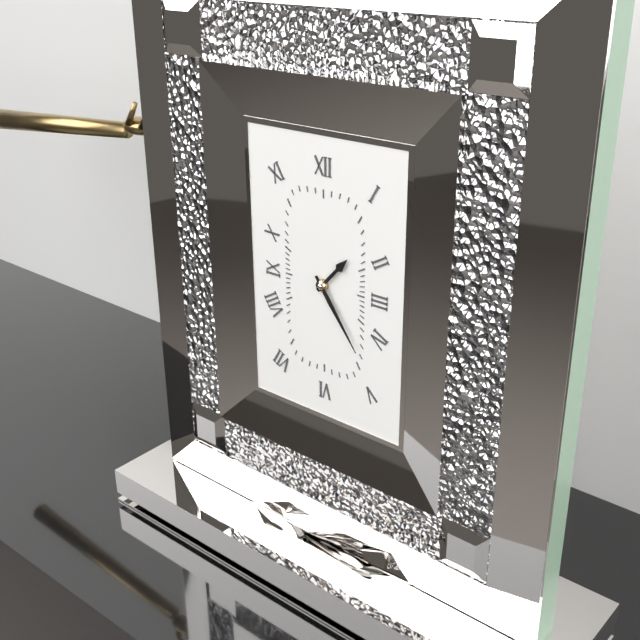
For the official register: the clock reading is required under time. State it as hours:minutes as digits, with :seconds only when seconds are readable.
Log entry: 1:24
